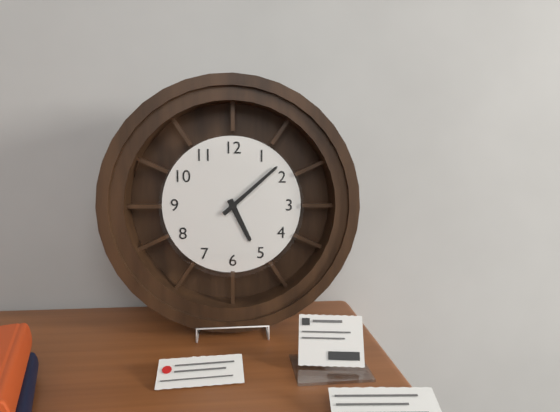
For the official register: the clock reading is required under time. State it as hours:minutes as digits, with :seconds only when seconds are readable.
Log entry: 5:08
